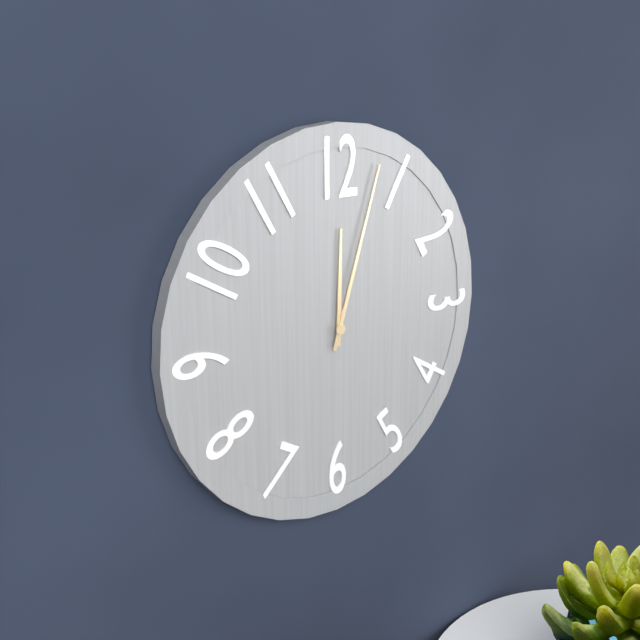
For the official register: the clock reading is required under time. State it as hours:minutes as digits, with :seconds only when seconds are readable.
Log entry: 12:03
